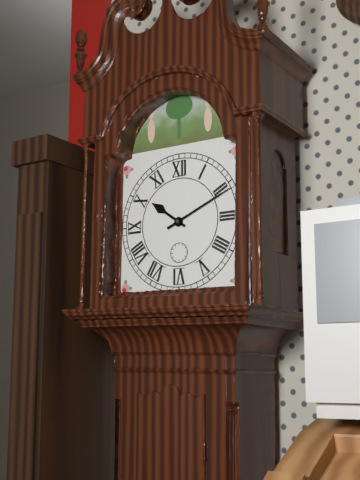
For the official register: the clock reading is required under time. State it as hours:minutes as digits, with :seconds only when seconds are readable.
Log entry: 10:11
